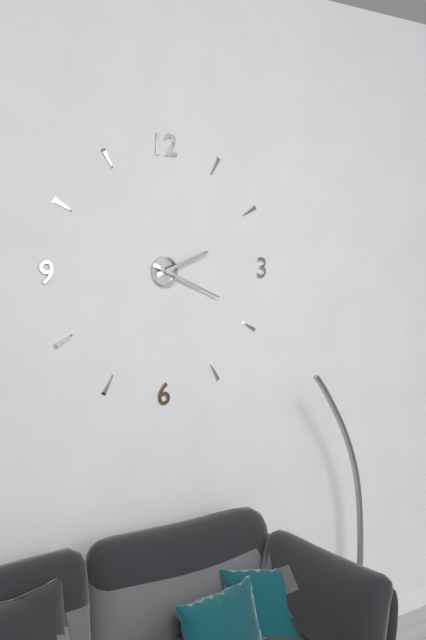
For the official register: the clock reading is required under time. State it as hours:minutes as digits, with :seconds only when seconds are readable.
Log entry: 2:19
